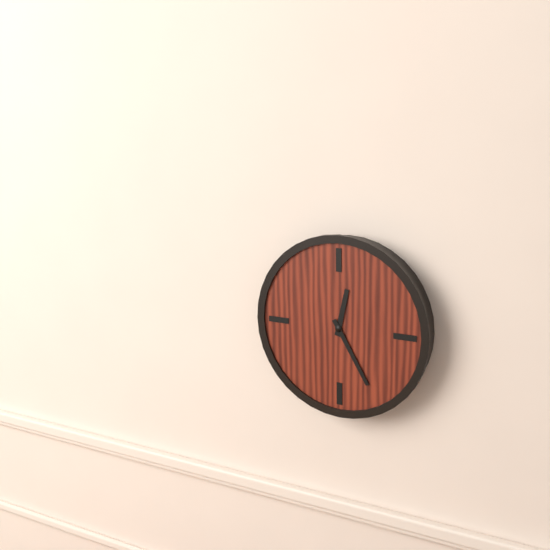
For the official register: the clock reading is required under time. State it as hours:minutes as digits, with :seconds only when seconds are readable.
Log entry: 12:25
